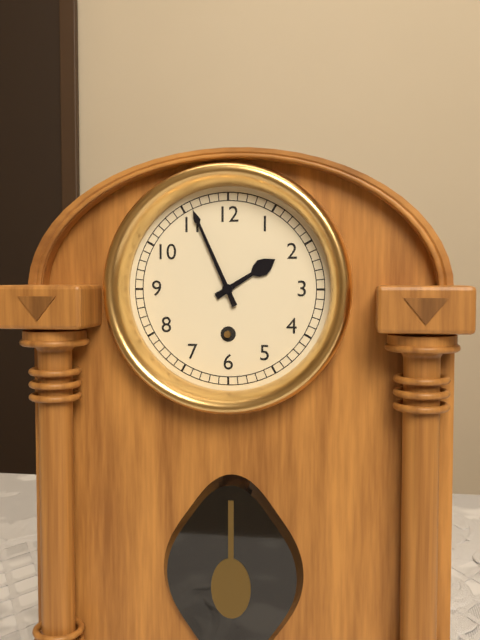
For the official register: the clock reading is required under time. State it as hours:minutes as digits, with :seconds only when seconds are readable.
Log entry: 1:56
